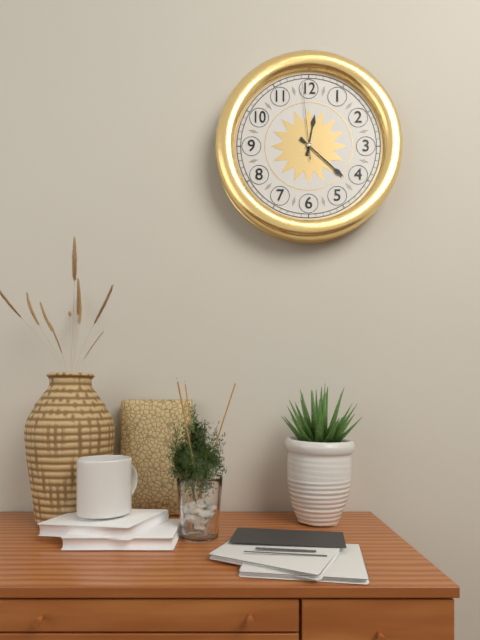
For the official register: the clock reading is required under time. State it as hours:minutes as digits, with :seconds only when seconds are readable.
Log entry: 12:22:59
